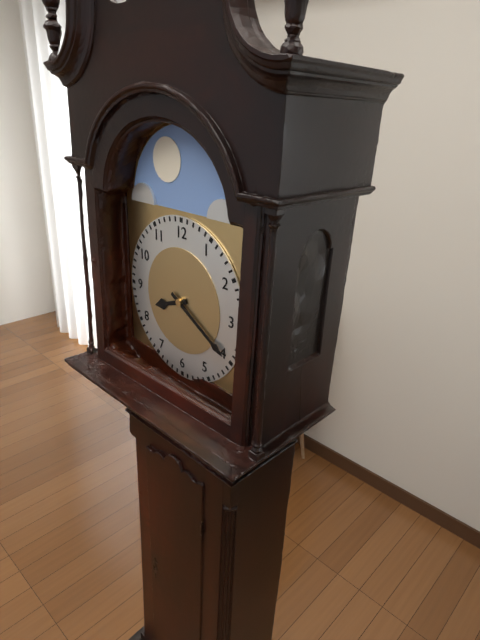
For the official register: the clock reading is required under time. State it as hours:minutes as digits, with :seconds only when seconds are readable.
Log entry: 8:20
